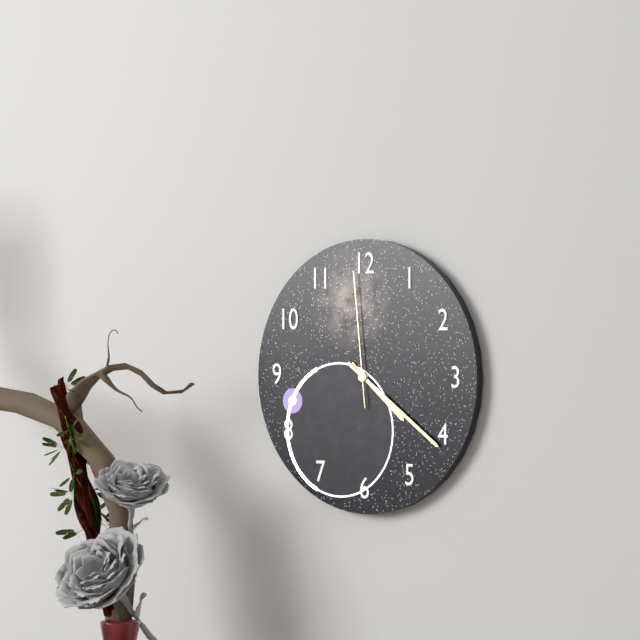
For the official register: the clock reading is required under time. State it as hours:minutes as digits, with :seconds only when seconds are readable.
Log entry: 4:21:59
